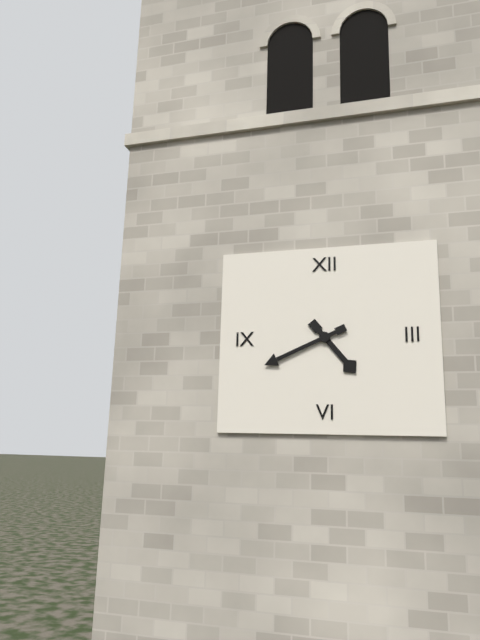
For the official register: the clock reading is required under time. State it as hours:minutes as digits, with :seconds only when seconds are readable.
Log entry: 4:41
